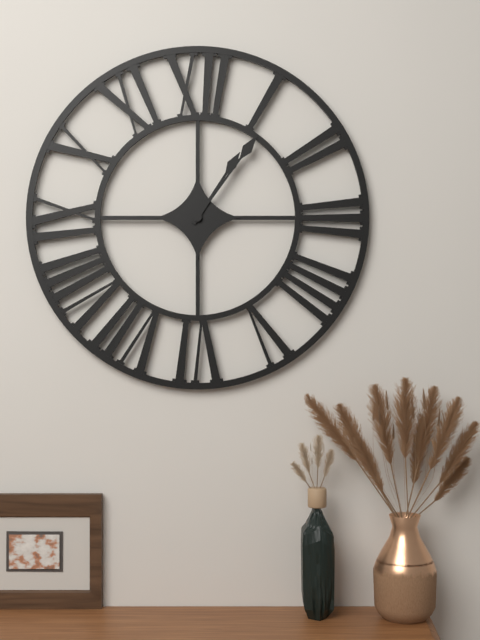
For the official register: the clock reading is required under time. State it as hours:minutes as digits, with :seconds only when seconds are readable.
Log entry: 1:06
